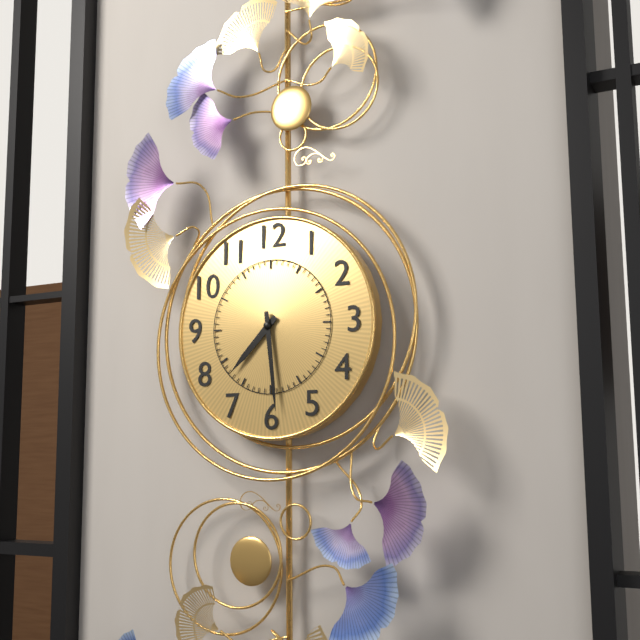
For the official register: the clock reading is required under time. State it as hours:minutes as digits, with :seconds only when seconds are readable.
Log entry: 7:29
